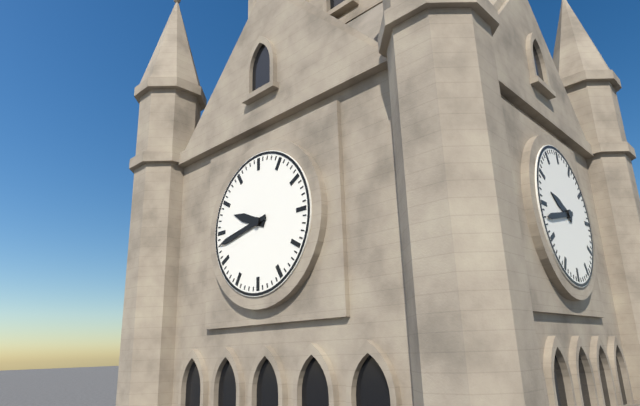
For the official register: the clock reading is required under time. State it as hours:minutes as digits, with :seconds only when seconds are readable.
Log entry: 9:43
